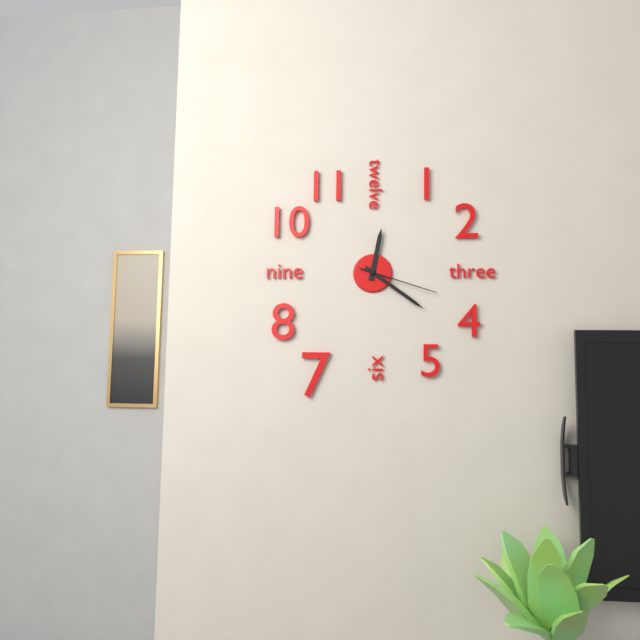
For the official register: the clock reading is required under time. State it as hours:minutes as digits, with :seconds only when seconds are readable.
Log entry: 12:21:18
